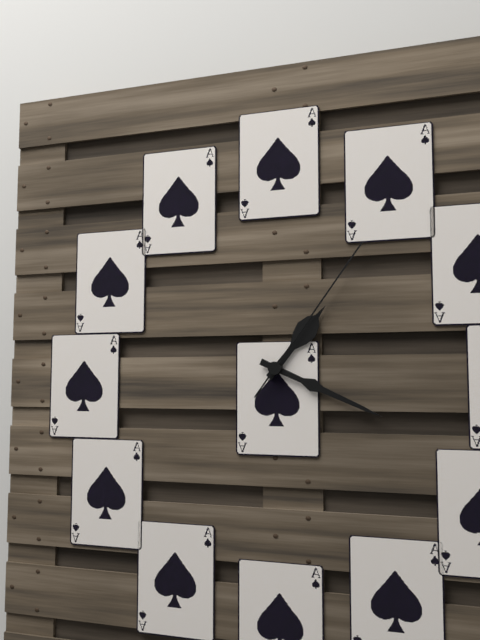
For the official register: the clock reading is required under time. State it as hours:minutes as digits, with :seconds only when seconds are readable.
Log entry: 1:19:06
